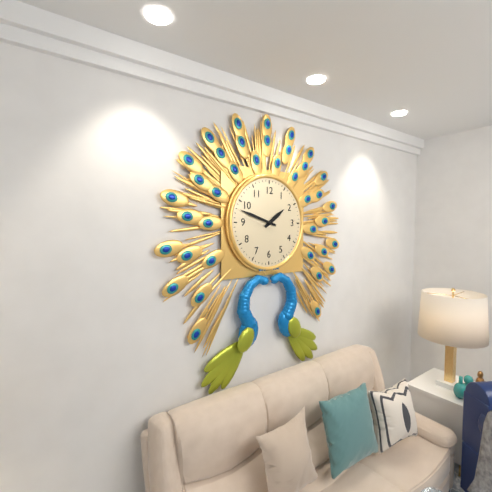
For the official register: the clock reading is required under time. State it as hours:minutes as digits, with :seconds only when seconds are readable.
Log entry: 1:48
